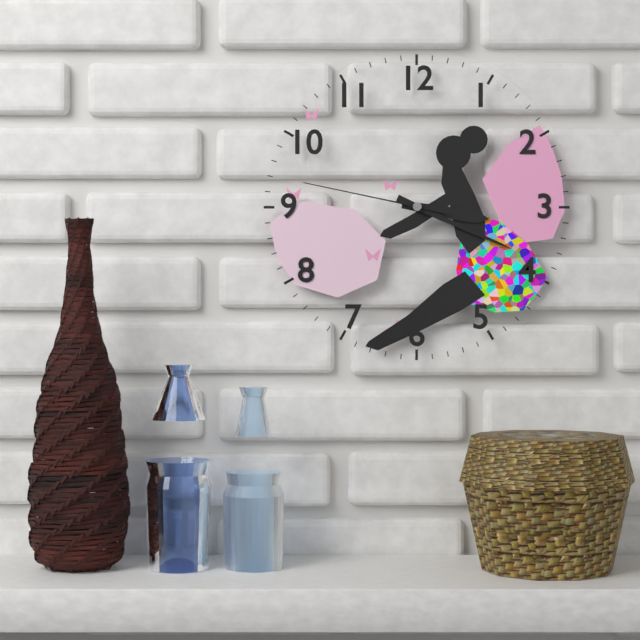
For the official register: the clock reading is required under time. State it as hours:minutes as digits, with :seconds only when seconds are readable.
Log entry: 3:19:47
